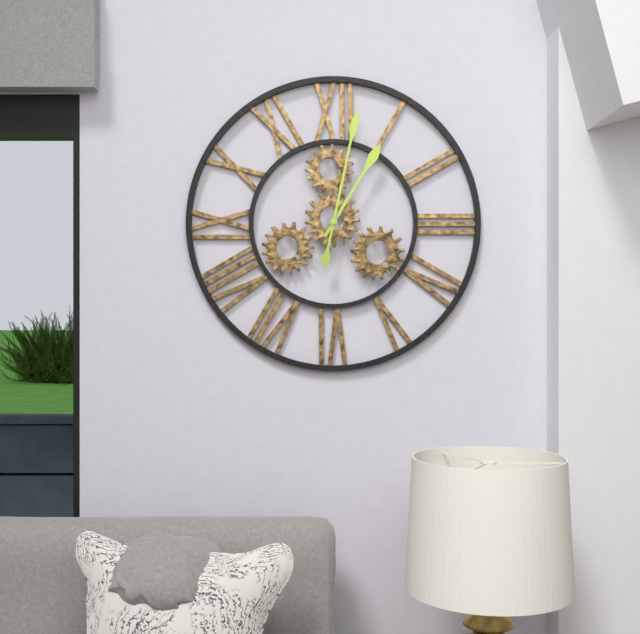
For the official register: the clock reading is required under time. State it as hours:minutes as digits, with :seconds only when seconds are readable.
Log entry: 1:02
